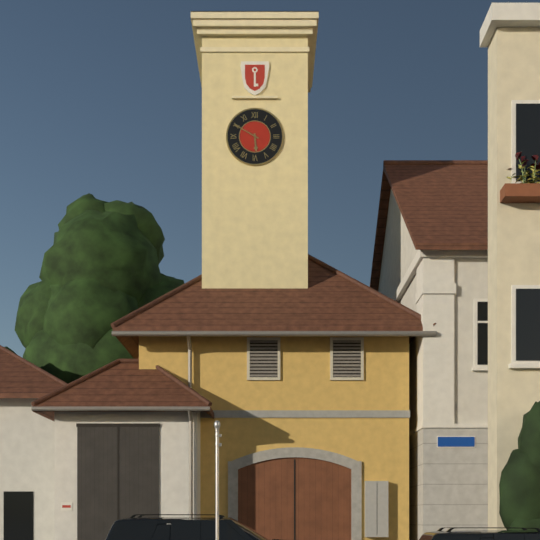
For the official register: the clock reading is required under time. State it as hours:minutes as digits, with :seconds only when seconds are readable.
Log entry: 5:50
